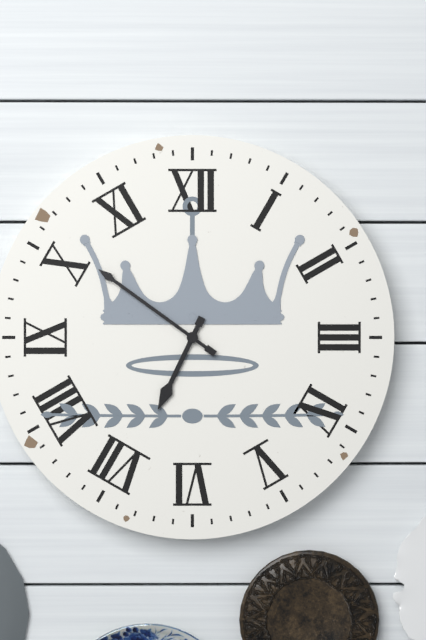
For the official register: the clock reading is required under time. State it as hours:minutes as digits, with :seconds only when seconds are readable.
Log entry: 6:51
